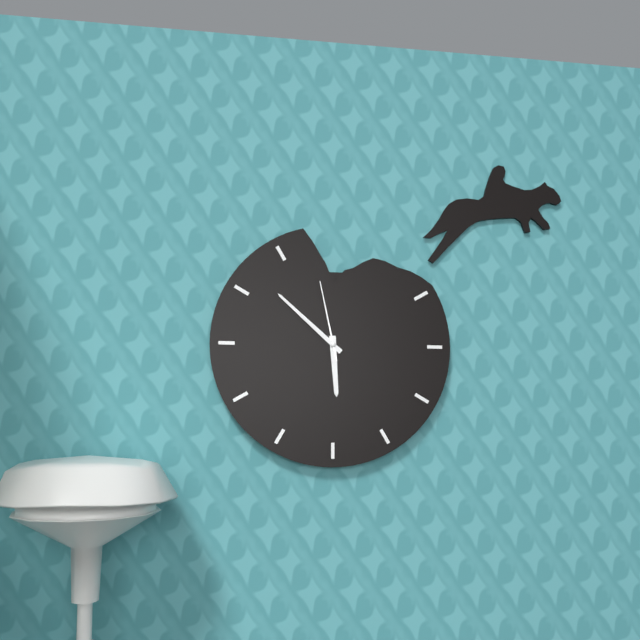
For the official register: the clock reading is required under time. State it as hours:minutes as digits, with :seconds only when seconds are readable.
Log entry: 5:52:58
